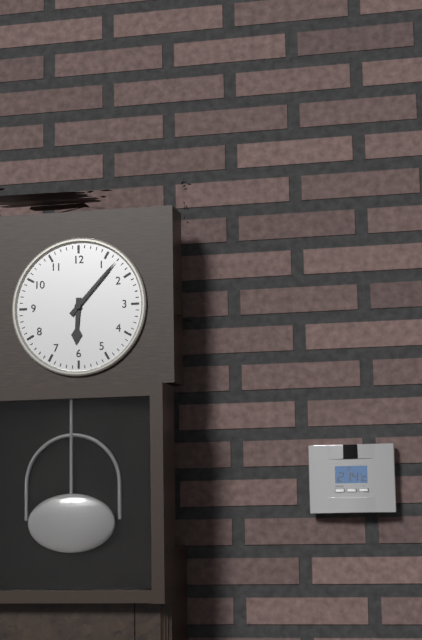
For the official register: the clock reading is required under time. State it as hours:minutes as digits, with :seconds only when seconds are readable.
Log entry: 6:07
